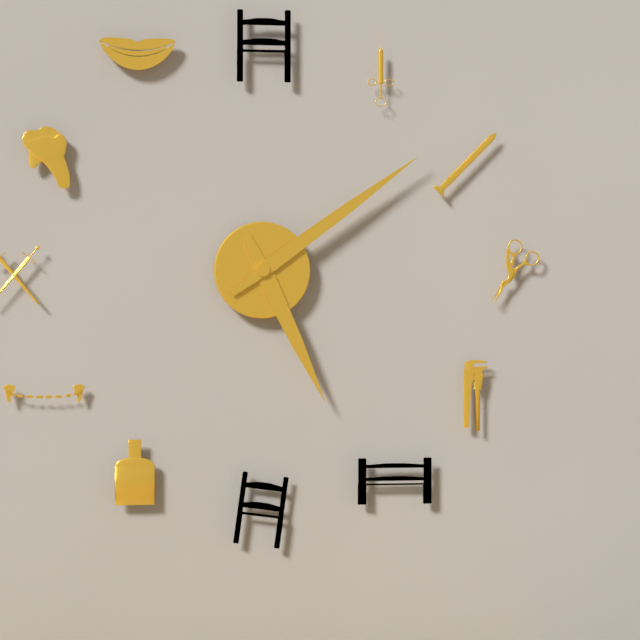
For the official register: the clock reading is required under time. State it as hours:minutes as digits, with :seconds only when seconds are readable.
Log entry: 5:09
